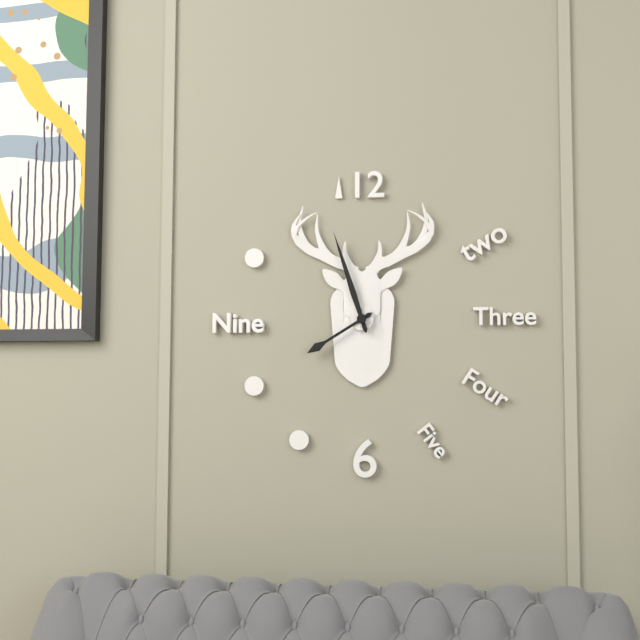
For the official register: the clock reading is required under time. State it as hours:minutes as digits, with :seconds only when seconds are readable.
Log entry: 7:57
